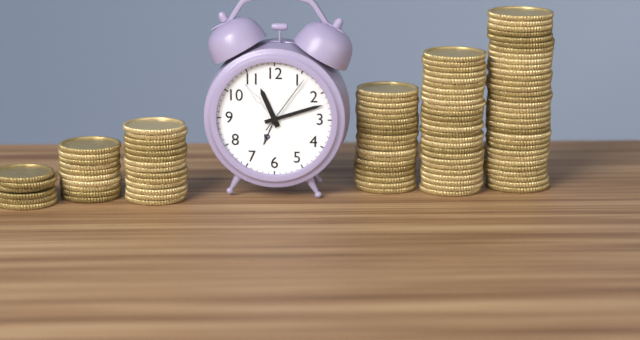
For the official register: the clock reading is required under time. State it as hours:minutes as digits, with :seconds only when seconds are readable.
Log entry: 11:12:06
